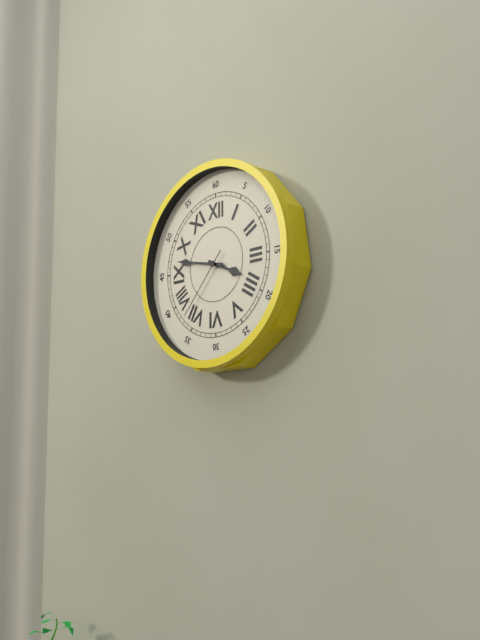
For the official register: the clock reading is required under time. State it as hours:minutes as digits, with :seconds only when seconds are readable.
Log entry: 3:47:37
